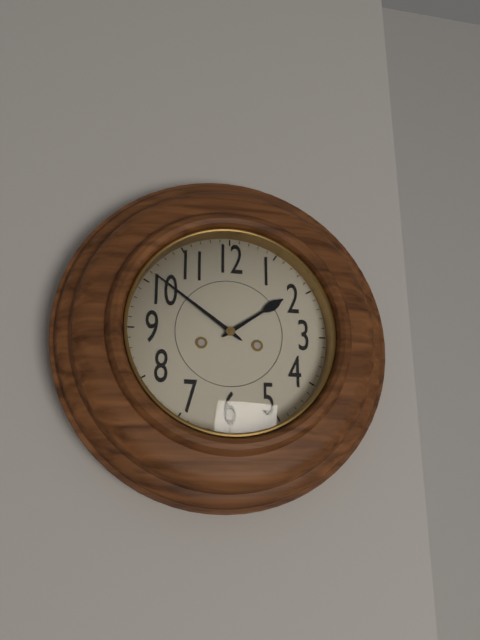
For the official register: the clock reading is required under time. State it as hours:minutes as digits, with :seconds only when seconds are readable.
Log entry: 1:51
